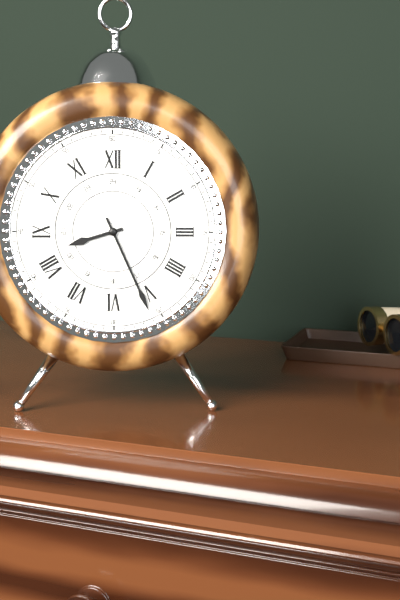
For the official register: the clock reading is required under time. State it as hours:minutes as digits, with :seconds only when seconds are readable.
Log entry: 8:26
